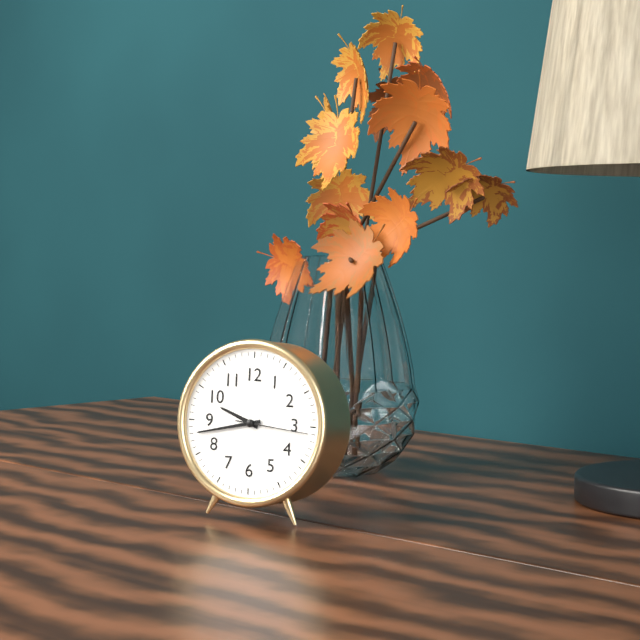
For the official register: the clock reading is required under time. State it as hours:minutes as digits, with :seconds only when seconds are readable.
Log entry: 9:43:16
